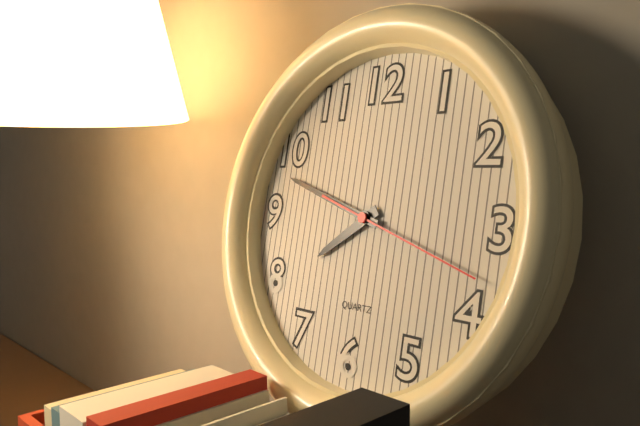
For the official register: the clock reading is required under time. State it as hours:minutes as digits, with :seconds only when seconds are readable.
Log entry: 7:48:18
